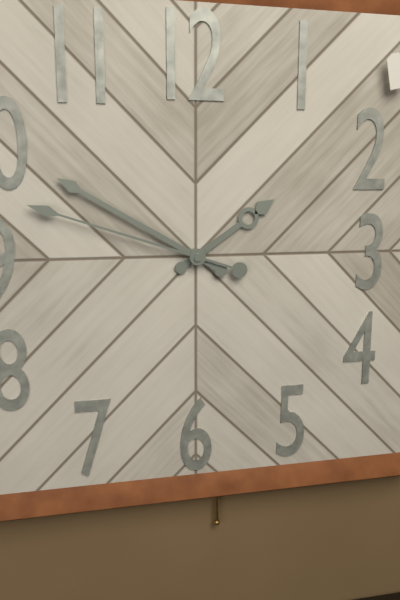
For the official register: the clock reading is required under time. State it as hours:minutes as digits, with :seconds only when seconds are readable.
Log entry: 1:50:48
